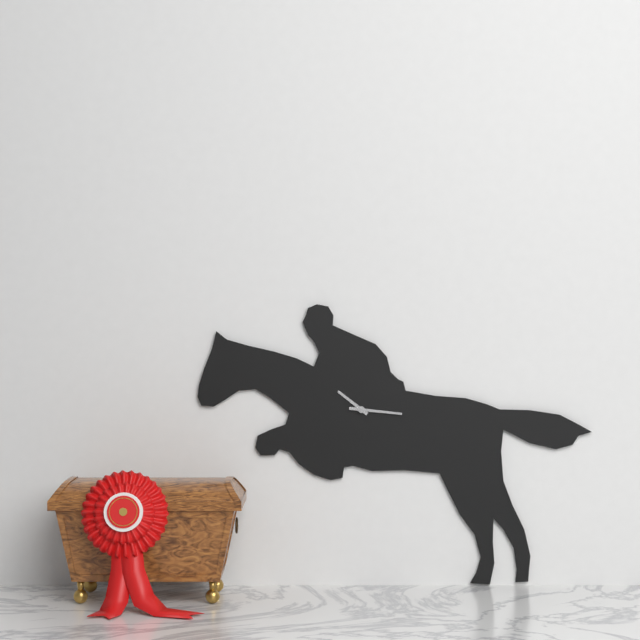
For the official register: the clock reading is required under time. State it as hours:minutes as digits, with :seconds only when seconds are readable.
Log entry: 10:16
